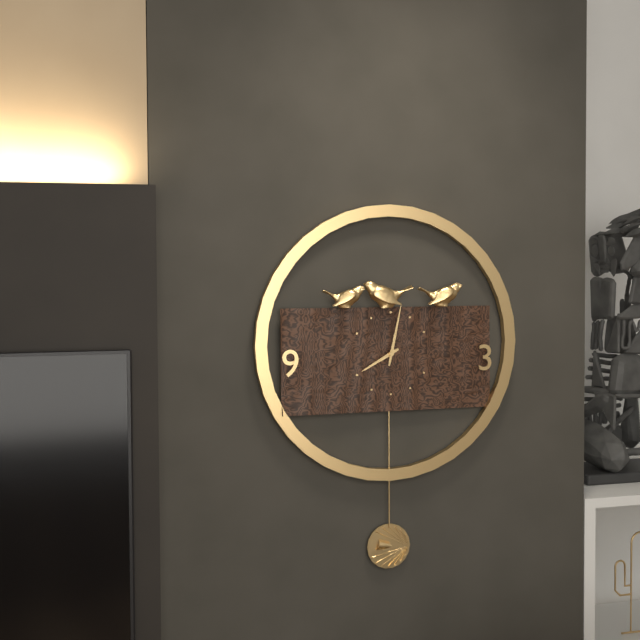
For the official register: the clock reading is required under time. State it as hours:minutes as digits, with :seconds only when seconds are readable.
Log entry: 8:02
